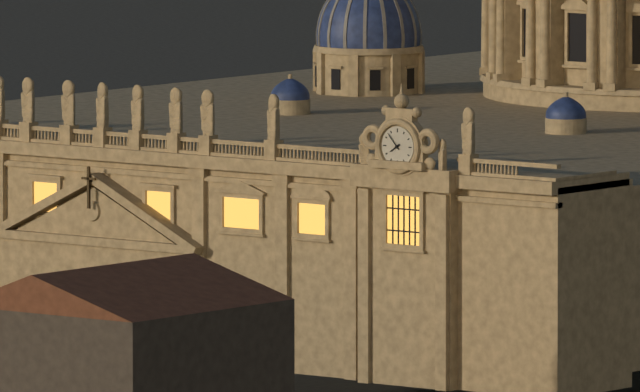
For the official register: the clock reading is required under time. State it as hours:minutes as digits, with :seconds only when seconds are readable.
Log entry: 7:53
